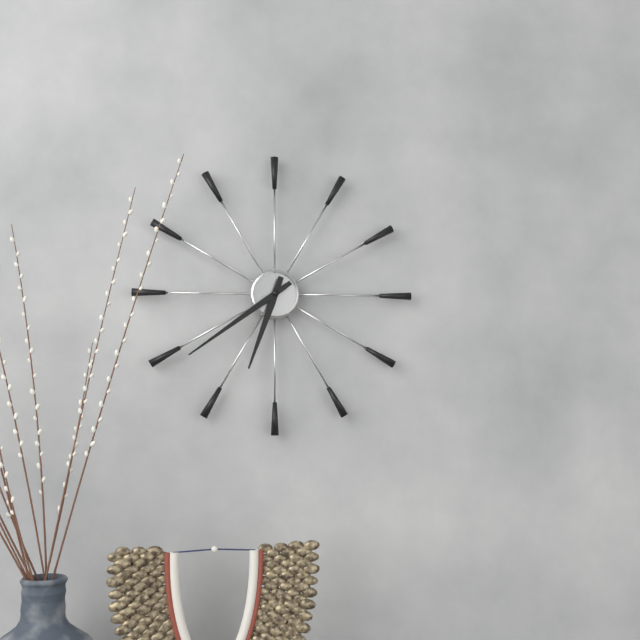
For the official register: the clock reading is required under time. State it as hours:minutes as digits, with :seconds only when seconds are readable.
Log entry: 6:39
